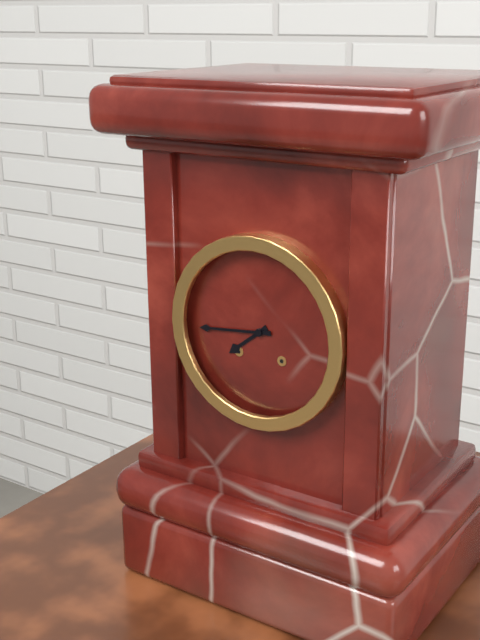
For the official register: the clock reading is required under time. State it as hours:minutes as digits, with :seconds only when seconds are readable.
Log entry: 7:44
